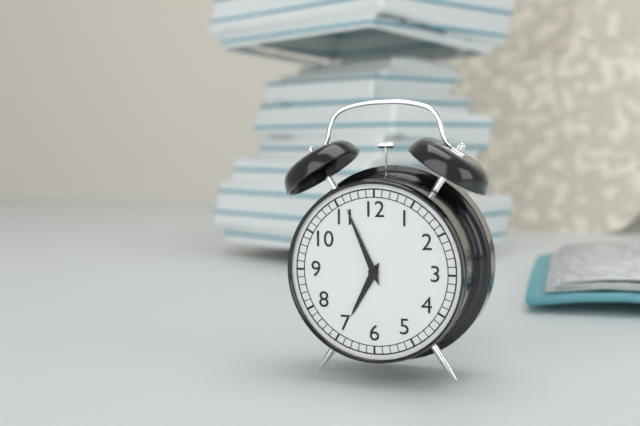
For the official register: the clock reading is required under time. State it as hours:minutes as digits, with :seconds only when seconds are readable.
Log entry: 6:56
